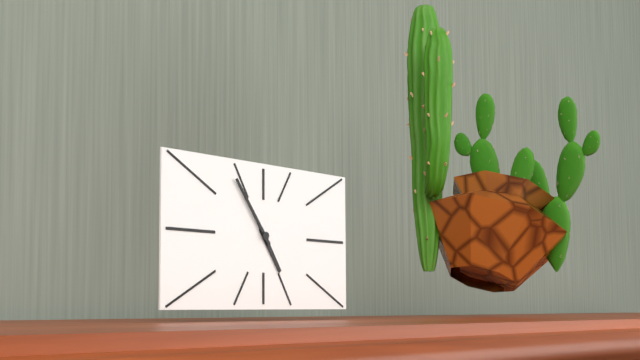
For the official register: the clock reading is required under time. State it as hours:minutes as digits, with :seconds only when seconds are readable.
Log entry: 4:54
